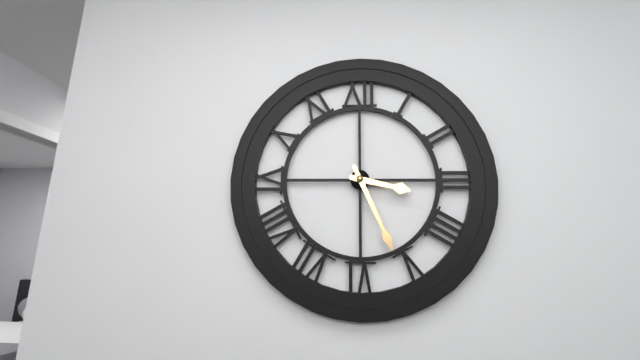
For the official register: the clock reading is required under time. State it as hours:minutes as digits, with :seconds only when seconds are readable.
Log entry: 3:26
